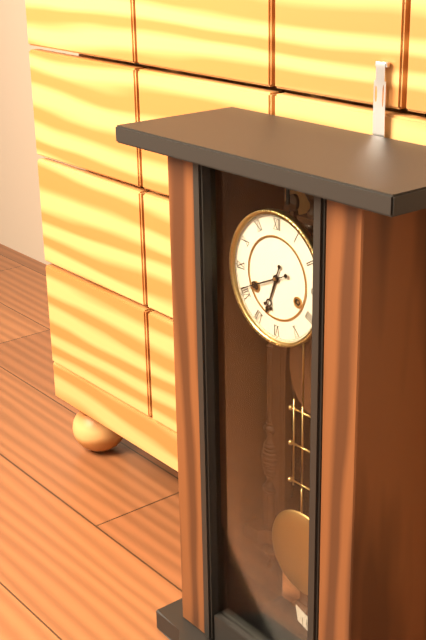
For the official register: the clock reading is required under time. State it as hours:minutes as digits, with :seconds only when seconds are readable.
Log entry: 6:41
